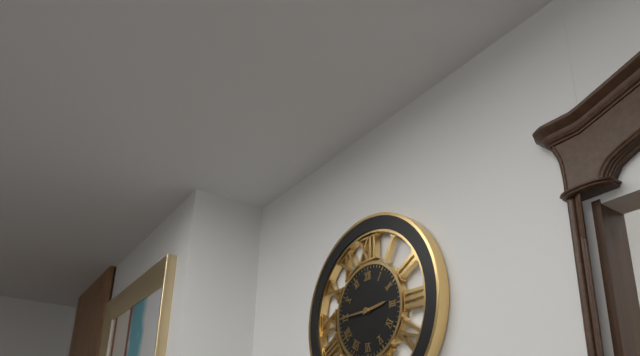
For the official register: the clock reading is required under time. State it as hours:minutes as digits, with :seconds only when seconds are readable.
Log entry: 2:45
